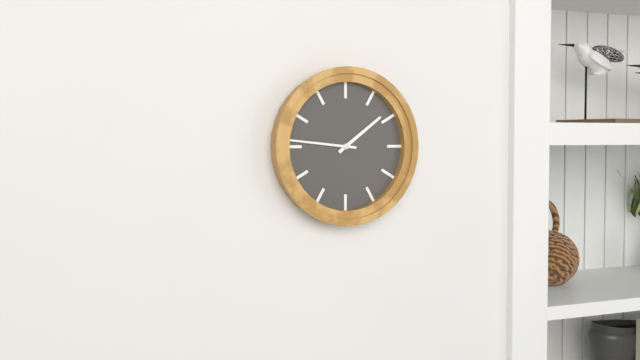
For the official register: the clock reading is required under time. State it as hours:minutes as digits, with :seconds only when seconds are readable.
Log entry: 1:46
